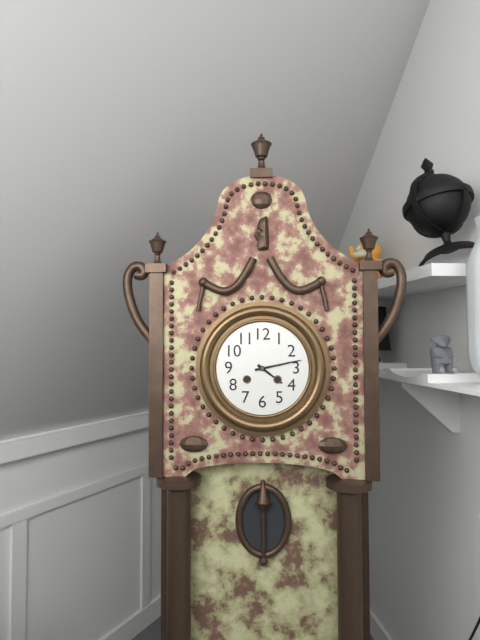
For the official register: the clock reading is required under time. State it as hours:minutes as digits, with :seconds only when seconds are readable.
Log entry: 4:13
